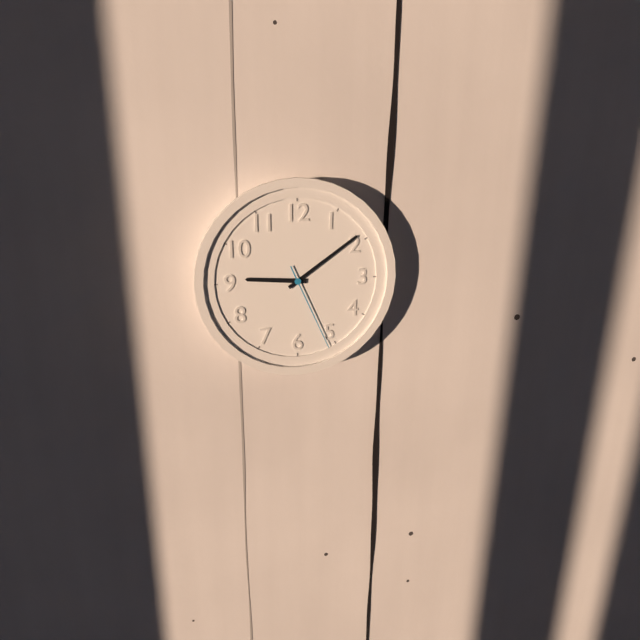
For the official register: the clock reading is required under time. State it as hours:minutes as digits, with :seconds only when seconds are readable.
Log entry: 9:09:26
